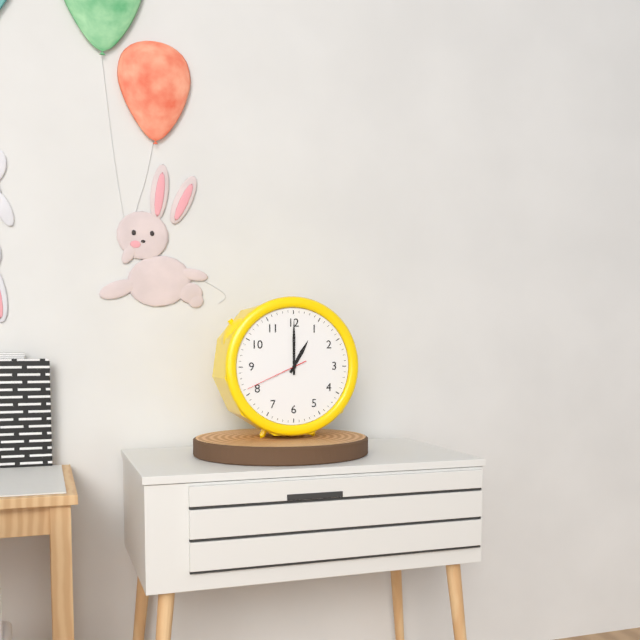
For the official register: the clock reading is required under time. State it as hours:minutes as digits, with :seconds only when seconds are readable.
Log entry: 1:00:41
